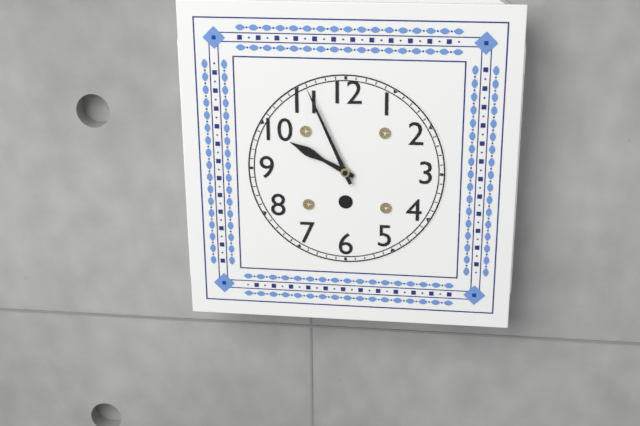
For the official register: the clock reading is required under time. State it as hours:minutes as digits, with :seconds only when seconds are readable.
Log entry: 9:56
